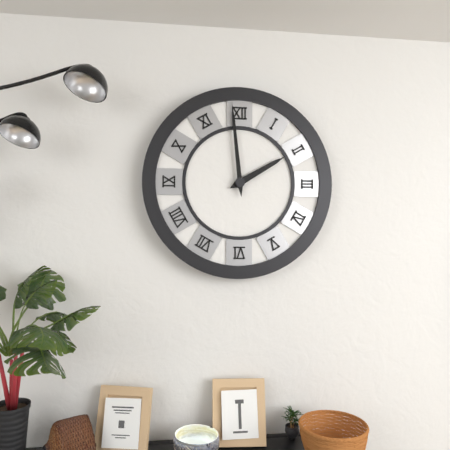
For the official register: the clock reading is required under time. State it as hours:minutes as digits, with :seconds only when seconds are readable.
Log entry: 1:59
